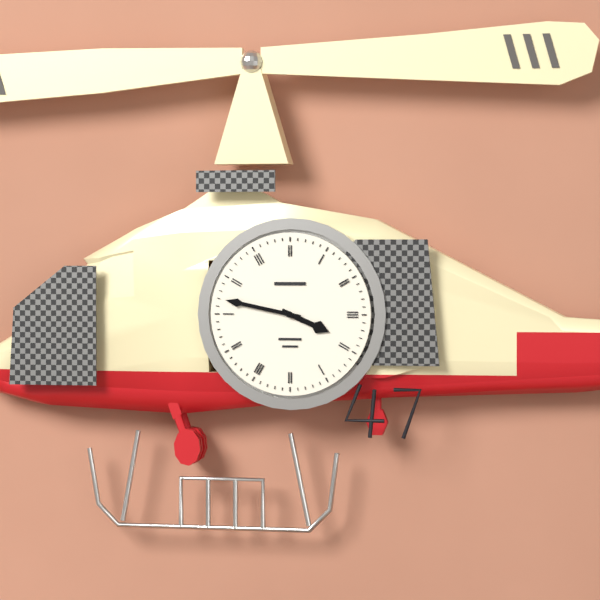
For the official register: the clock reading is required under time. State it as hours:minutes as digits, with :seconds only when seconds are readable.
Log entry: 3:47
